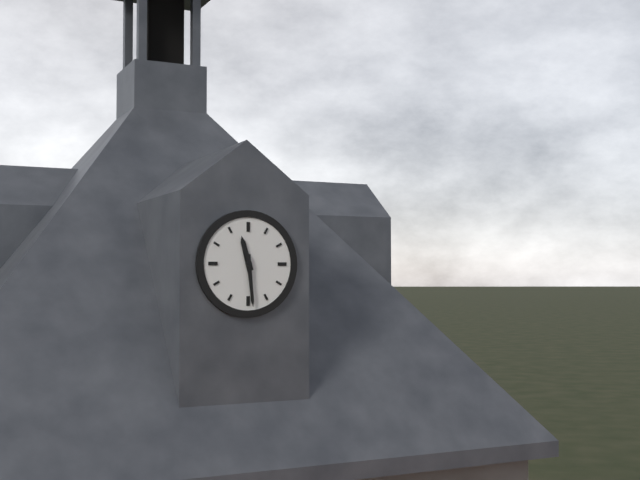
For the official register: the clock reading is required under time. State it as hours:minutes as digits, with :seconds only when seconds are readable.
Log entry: 11:29
